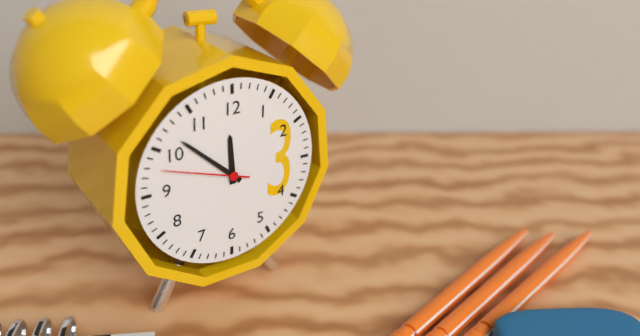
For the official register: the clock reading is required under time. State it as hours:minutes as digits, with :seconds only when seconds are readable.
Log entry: 11:52:48
